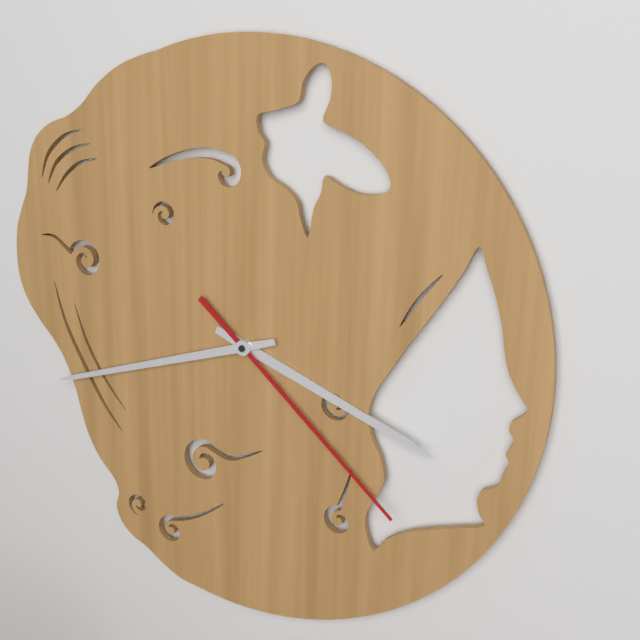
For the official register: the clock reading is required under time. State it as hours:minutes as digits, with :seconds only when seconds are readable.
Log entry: 3:42:22
